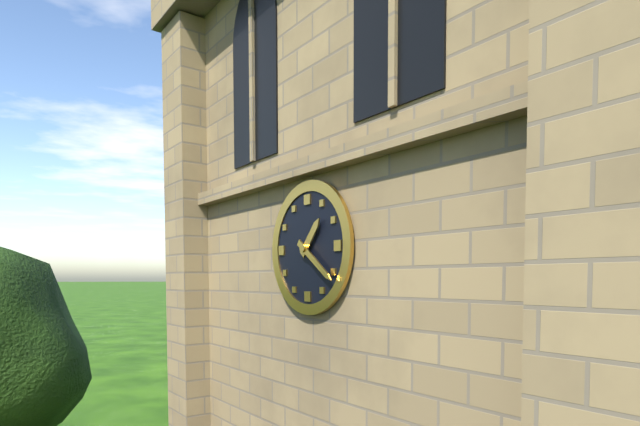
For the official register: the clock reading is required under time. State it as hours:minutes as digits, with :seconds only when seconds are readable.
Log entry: 1:21
